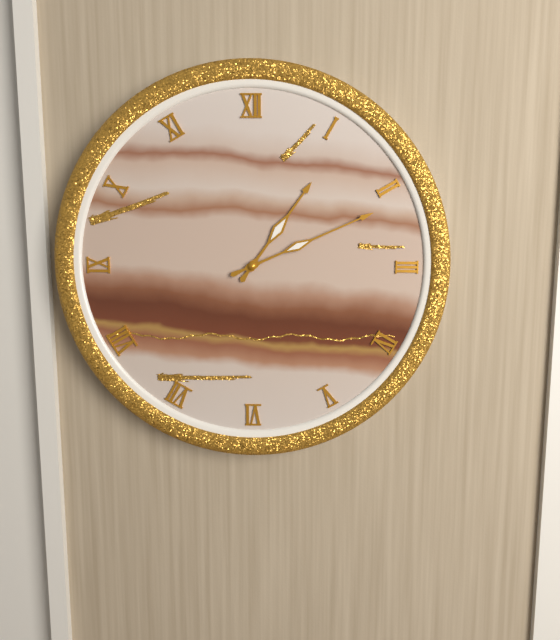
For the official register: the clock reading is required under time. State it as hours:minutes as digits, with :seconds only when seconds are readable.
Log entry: 1:11
